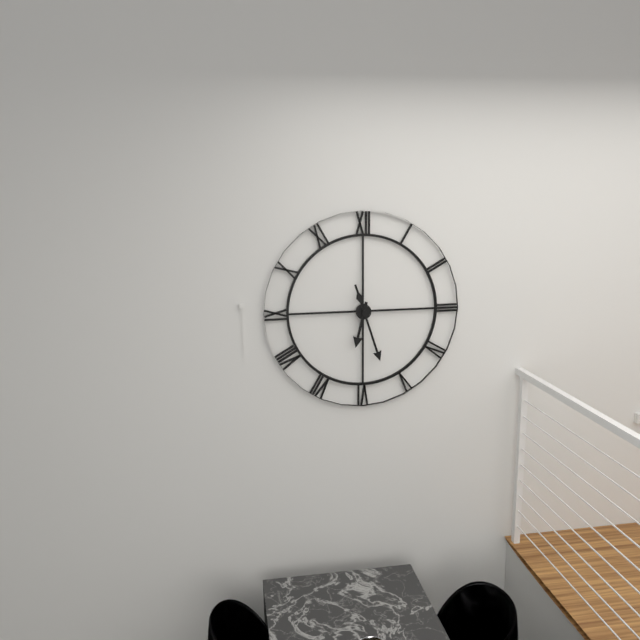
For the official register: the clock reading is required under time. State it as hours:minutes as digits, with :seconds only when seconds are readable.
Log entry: 6:27
